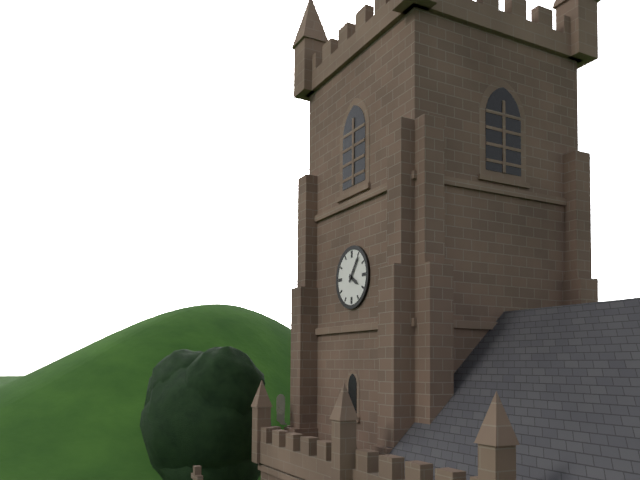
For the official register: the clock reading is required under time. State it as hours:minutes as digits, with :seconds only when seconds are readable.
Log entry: 4:06
